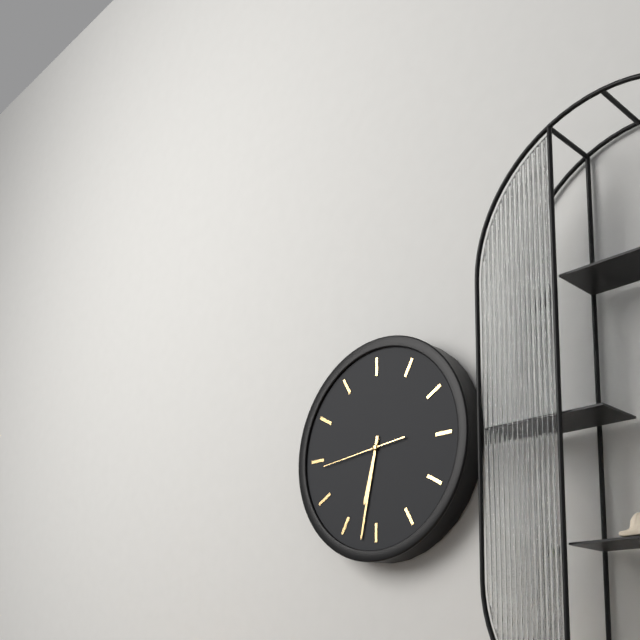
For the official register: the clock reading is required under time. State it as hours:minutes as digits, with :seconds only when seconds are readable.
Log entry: 6:32:44
